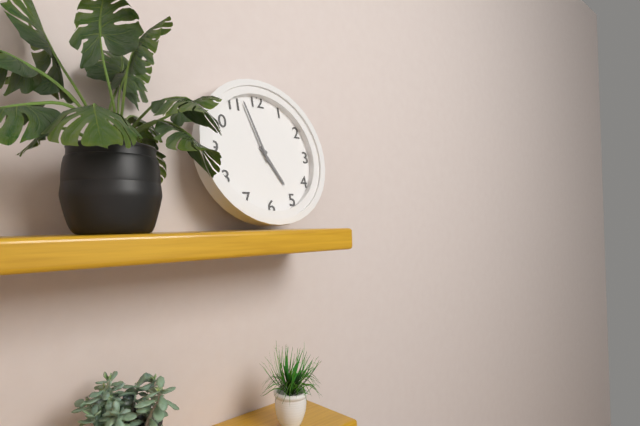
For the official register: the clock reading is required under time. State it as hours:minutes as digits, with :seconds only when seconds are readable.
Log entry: 4:57
